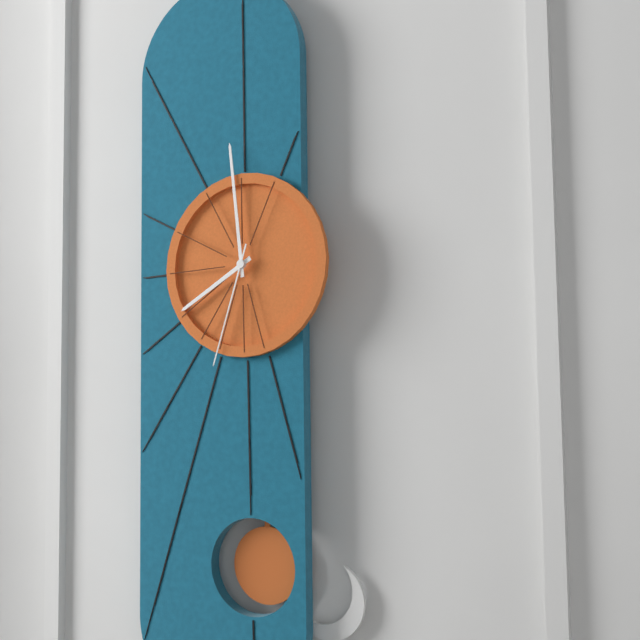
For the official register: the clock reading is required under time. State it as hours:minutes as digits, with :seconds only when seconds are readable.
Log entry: 7:59:33
